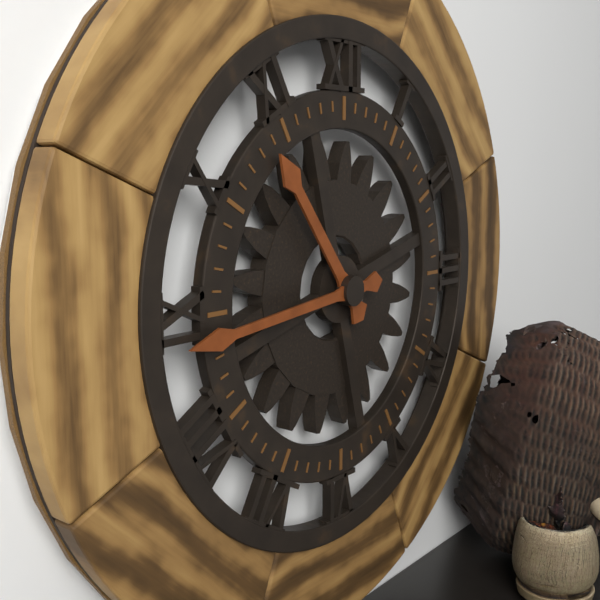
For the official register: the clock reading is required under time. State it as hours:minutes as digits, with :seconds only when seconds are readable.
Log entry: 10:44
